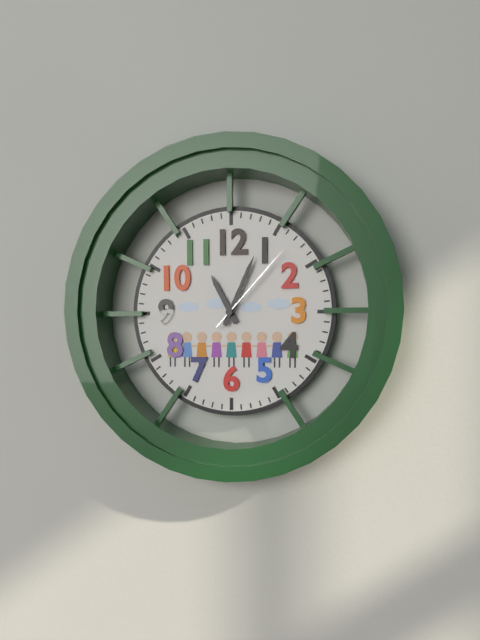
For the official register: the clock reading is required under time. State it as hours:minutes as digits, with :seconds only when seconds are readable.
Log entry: 11:04:07
